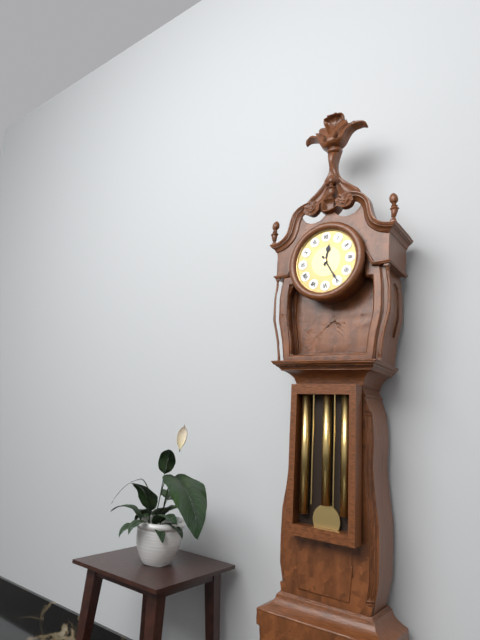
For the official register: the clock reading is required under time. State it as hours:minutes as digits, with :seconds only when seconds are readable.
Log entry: 12:25
